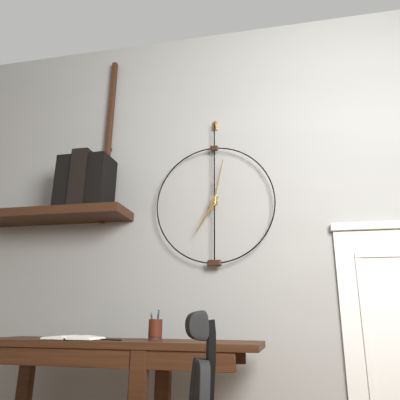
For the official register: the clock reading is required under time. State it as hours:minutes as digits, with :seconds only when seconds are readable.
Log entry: 7:02
